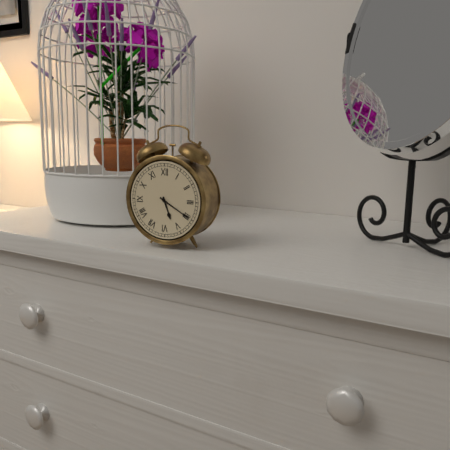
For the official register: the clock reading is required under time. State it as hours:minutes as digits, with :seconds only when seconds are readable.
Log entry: 5:20
